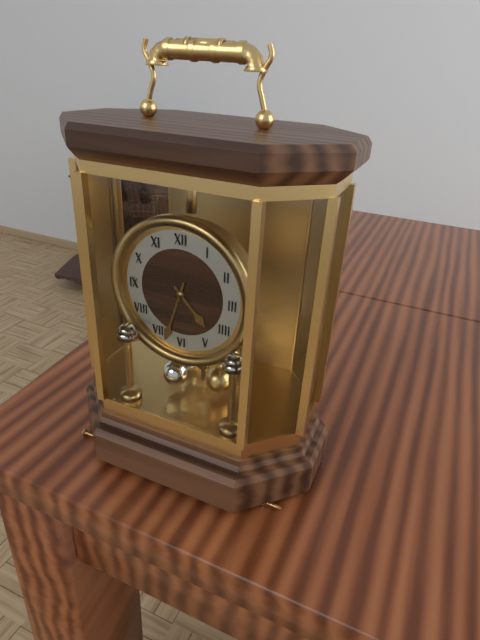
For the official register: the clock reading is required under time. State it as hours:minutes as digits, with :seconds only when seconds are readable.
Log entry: 4:33
